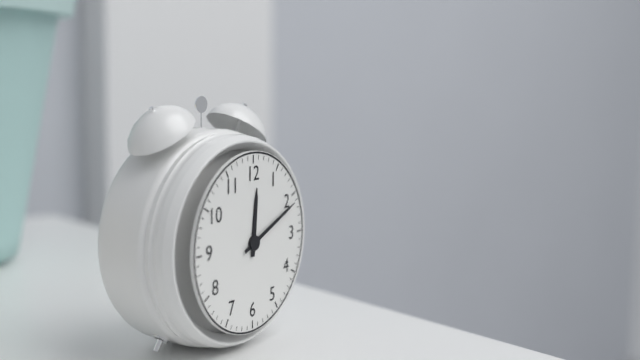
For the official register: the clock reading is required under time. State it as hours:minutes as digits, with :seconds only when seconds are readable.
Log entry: 12:11
